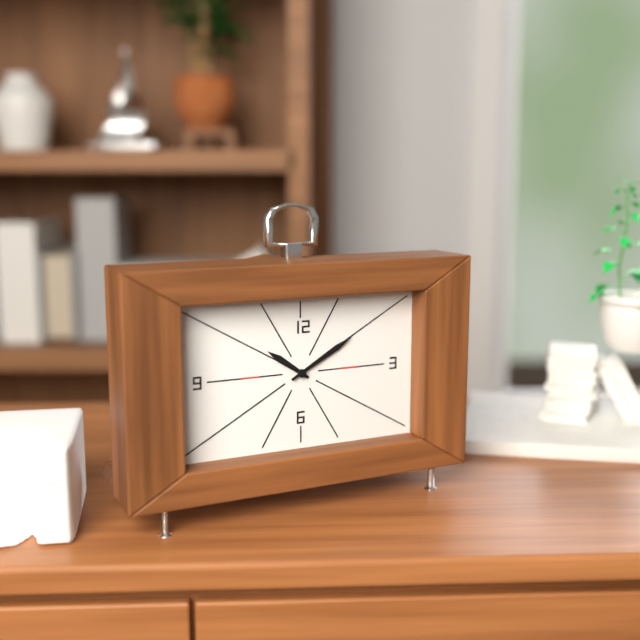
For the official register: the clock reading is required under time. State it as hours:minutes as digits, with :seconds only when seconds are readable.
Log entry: 10:10
